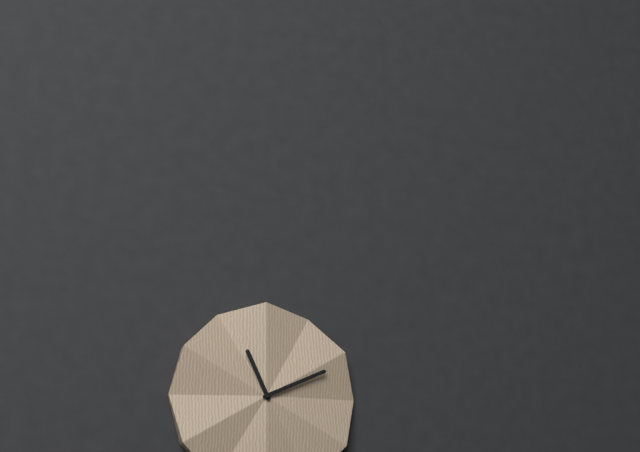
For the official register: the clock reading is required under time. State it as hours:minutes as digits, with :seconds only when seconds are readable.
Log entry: 11:11
